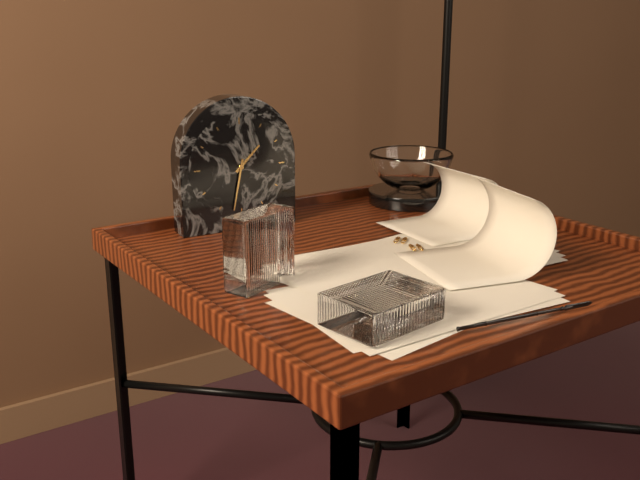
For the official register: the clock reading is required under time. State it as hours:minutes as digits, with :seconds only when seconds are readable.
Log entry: 1:32
